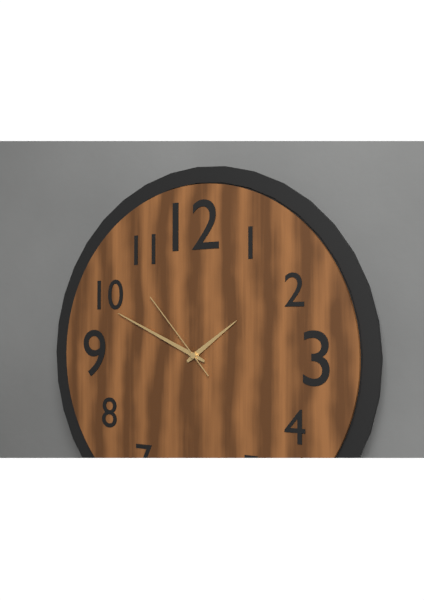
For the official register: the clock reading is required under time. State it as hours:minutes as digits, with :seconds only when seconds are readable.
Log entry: 1:49:53
